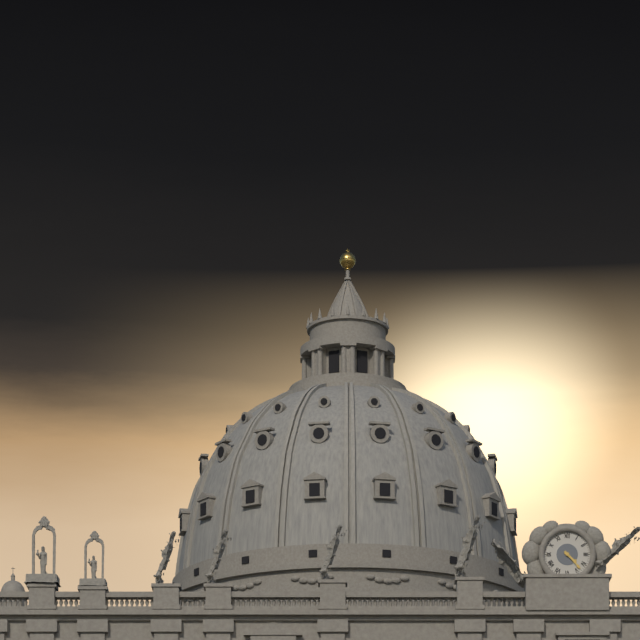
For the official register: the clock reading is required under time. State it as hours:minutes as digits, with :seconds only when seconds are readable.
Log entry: 4:23
